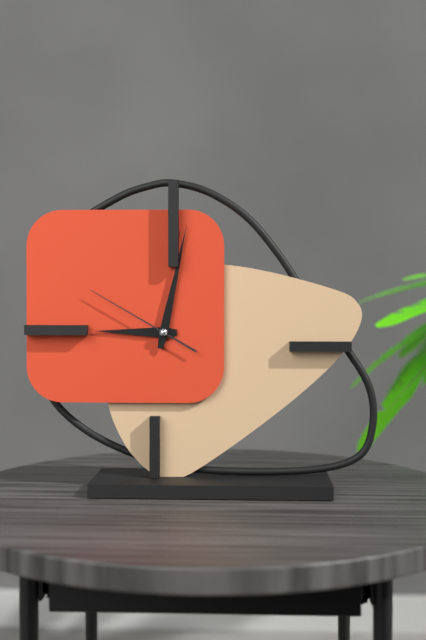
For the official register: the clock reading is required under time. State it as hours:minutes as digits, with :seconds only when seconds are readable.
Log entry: 9:02:50
